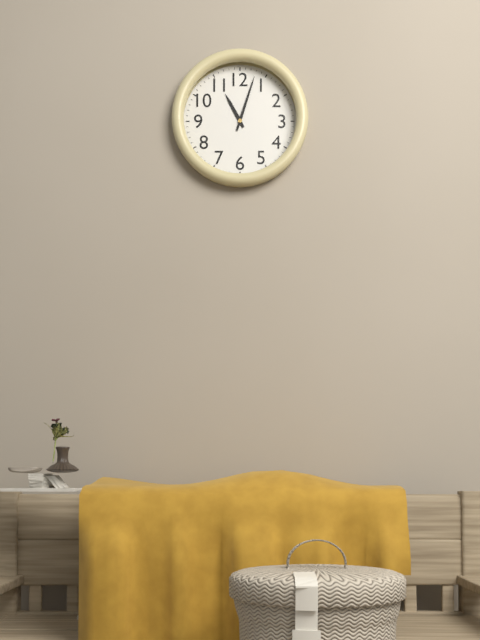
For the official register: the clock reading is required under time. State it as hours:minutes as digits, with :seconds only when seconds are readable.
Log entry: 11:03
